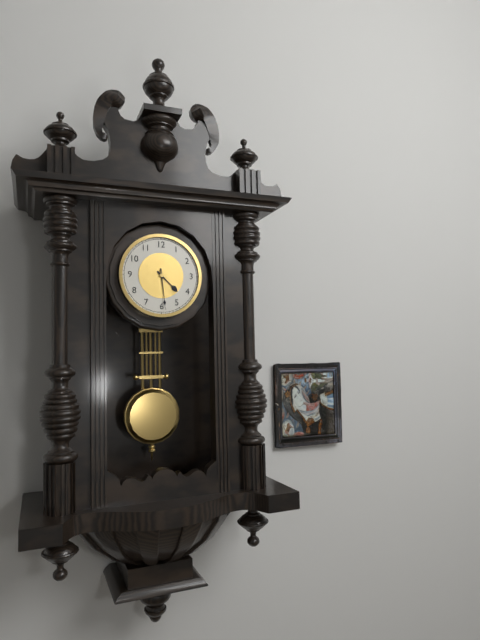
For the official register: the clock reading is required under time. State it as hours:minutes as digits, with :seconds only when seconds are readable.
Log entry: 4:29
